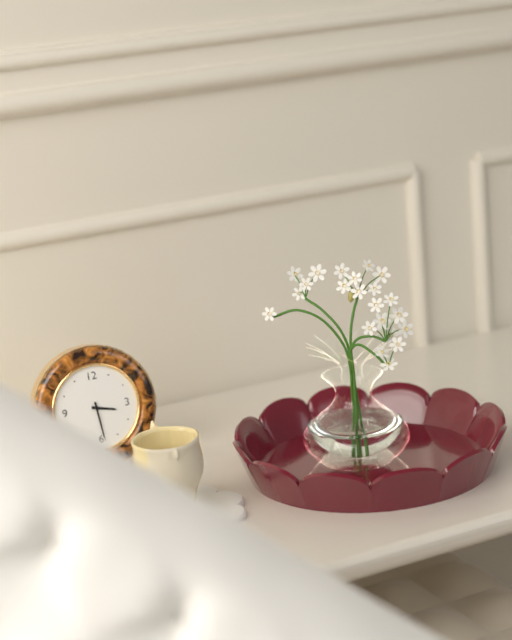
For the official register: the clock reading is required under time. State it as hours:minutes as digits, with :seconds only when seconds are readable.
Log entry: 3:29
